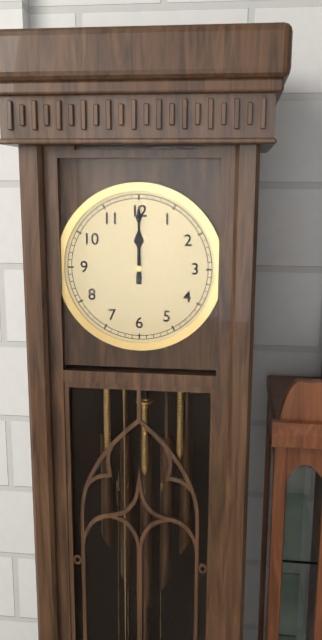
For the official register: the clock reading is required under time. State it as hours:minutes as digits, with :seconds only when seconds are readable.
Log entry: 12:00
